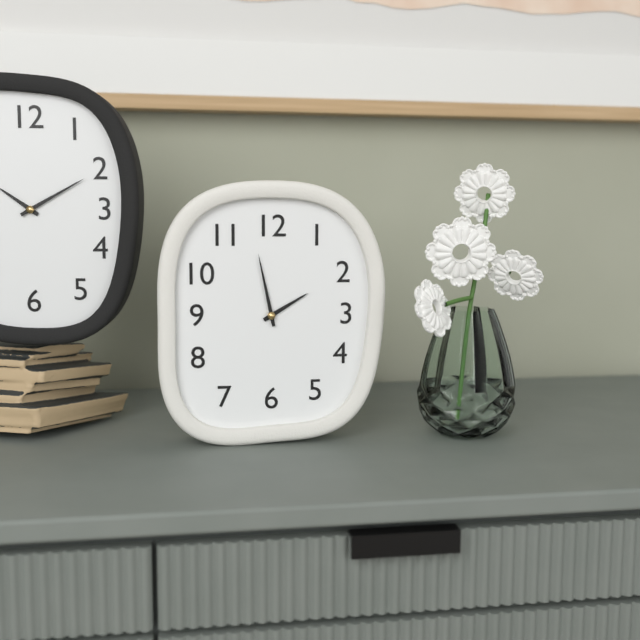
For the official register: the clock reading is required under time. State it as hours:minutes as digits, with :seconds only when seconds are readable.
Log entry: 1:58
